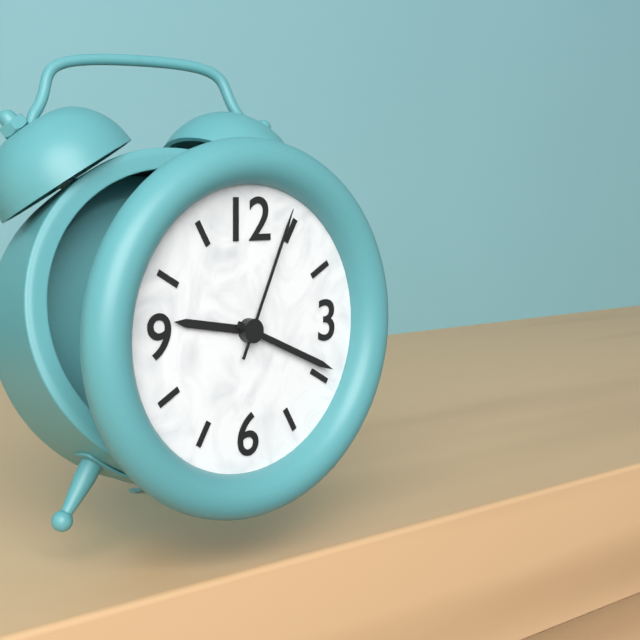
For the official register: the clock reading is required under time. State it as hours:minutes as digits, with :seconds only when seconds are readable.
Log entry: 9:19:04
